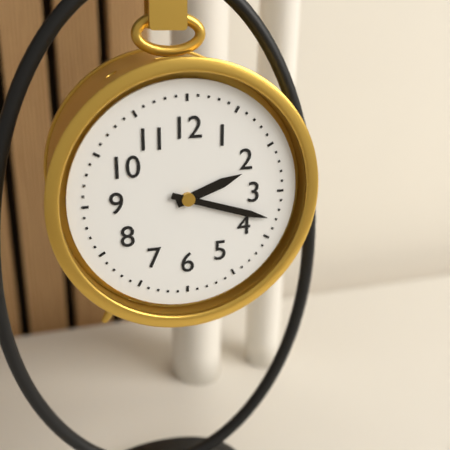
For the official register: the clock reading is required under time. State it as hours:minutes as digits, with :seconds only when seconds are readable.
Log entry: 2:18
